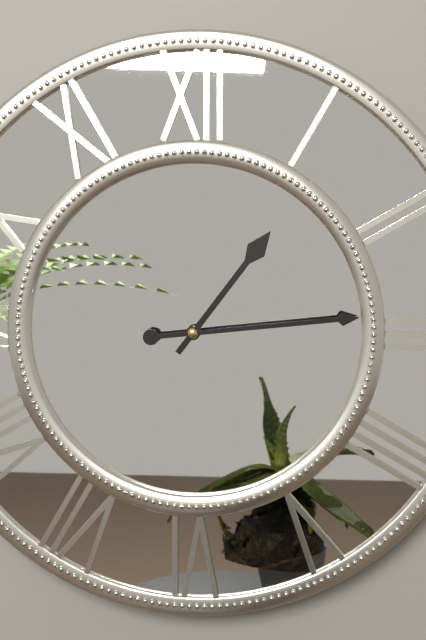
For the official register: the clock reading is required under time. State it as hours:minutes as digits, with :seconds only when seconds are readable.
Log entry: 1:14
